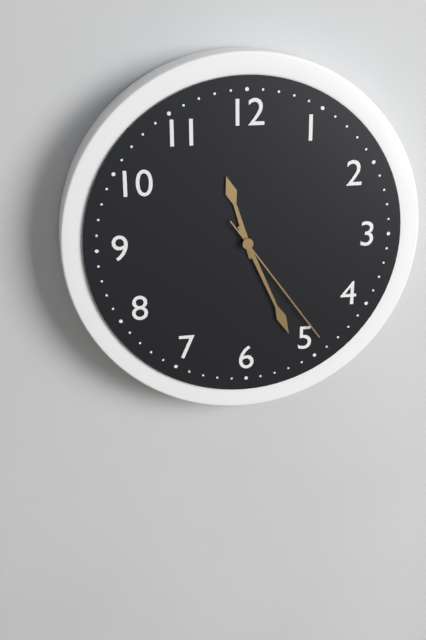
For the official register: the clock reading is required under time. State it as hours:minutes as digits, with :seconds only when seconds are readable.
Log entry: 11:26:24
